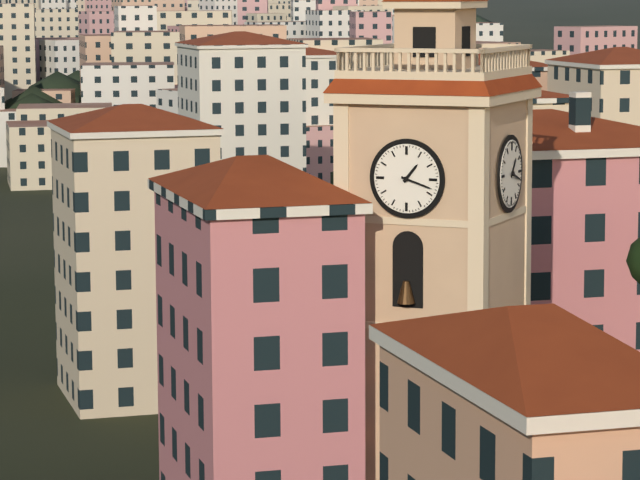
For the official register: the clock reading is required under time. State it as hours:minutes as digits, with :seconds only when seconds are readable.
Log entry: 1:18
